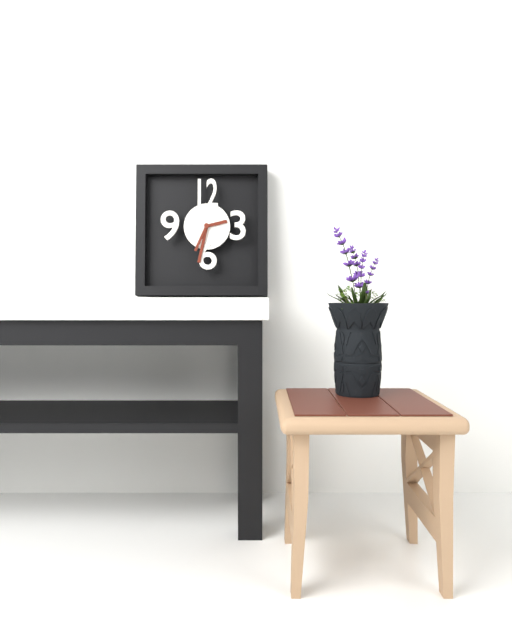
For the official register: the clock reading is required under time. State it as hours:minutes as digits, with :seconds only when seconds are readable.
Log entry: 2:32
